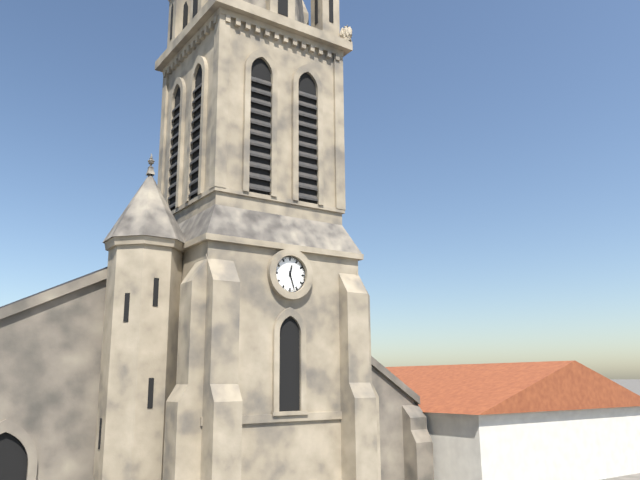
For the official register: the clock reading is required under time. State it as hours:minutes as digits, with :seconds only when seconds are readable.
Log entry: 12:27
